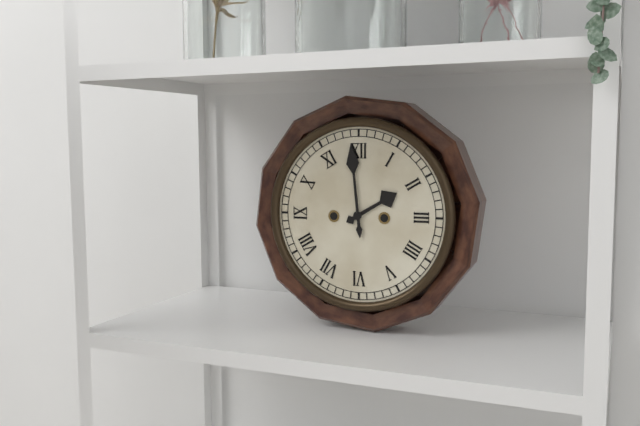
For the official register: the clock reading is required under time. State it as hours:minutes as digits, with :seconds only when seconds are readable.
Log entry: 1:59
